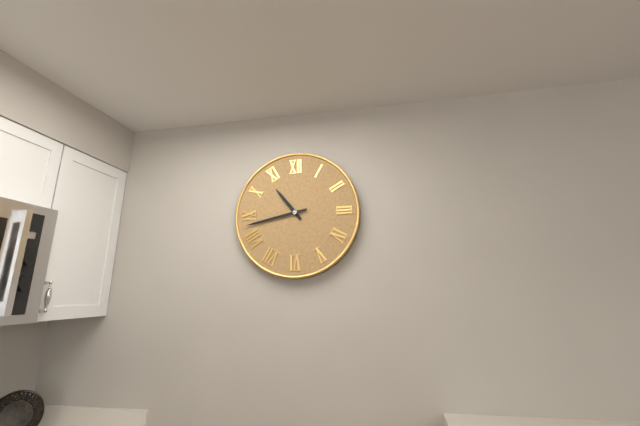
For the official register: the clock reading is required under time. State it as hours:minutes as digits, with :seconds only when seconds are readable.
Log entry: 10:43
